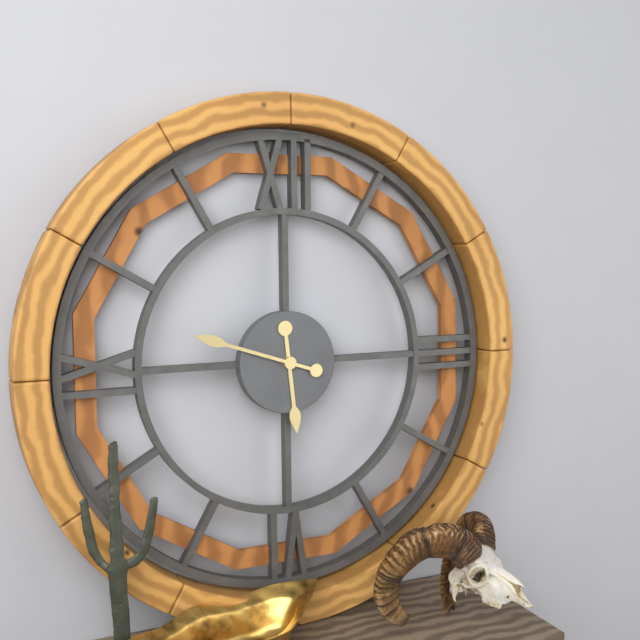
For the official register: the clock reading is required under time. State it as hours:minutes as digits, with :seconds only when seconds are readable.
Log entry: 5:48
